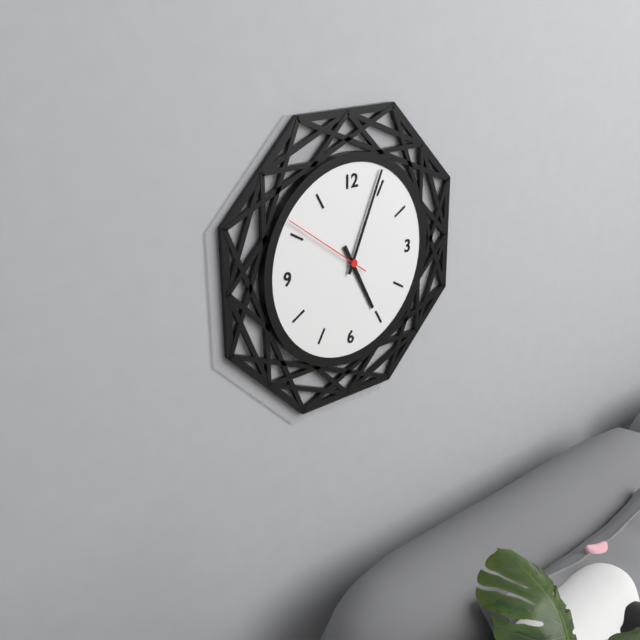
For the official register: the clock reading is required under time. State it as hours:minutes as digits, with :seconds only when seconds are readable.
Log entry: 5:04:51
